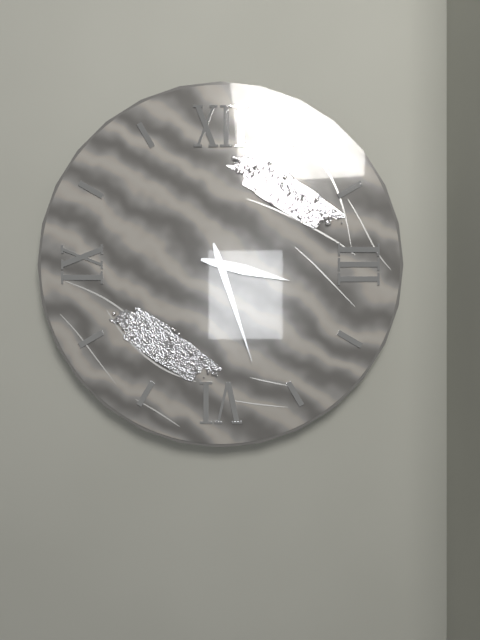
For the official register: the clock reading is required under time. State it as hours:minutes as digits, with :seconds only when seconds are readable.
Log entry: 3:27
